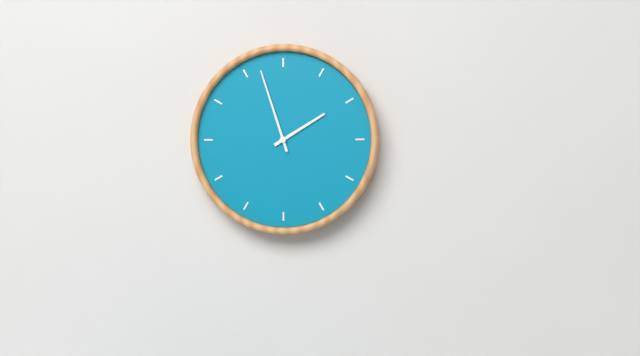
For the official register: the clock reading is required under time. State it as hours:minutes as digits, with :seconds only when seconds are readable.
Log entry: 1:57
